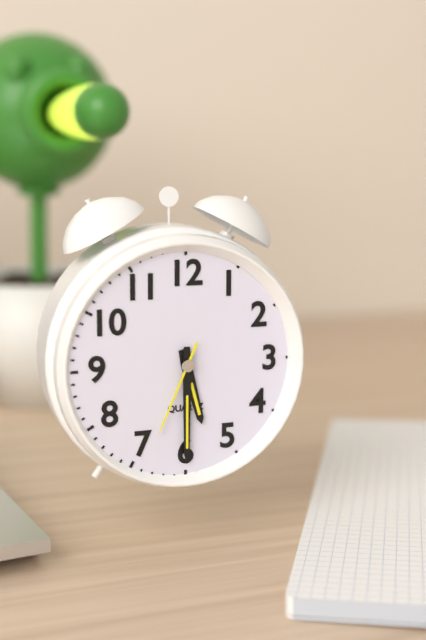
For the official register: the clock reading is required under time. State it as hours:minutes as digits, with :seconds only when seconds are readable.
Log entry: 5:30:34
